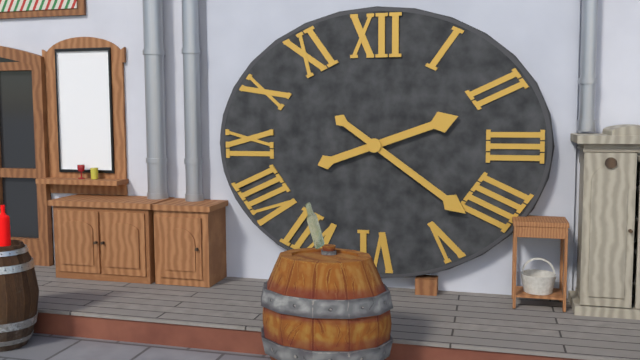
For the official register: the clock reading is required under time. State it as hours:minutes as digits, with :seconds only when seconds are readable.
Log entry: 2:21
